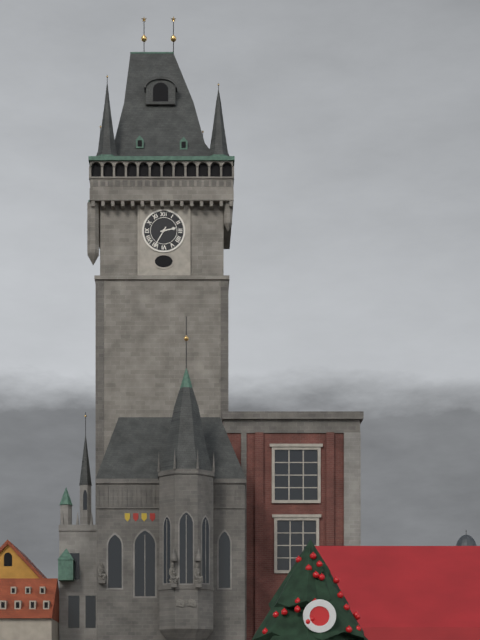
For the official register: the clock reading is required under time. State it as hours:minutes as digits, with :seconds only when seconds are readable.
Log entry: 2:35
